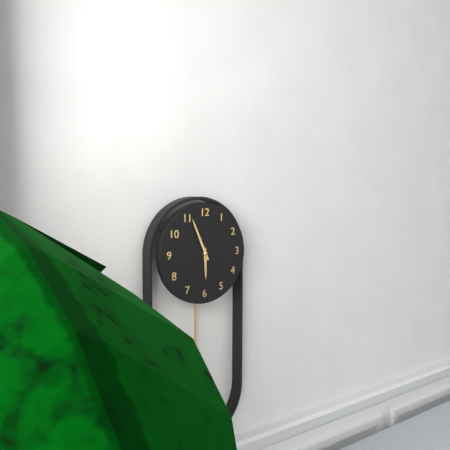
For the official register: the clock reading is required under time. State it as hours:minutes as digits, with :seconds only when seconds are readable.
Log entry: 5:56
